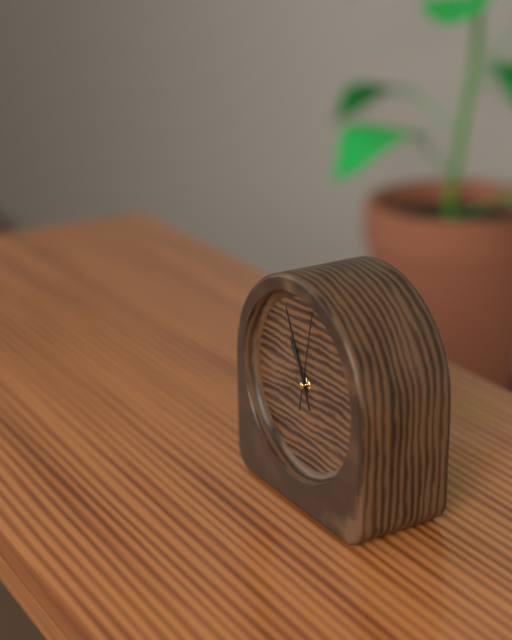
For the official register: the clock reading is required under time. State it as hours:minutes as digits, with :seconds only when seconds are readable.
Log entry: 10:56:02
